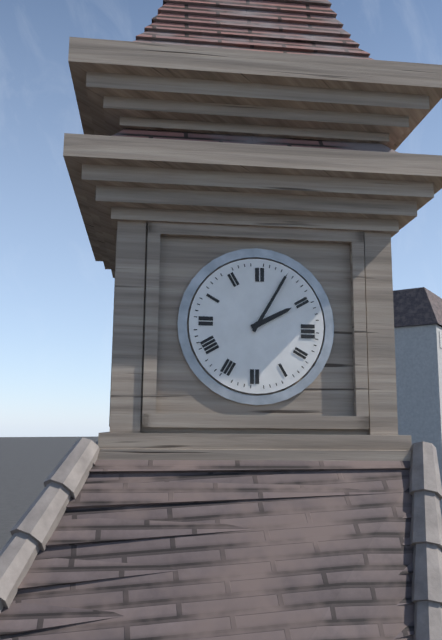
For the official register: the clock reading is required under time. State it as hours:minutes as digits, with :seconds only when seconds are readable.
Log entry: 2:05
